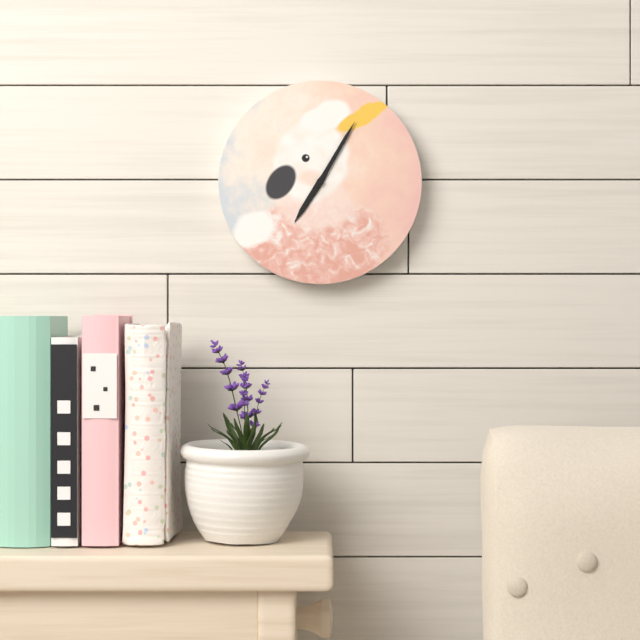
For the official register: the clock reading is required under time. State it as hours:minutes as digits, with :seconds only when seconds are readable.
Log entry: 7:05
